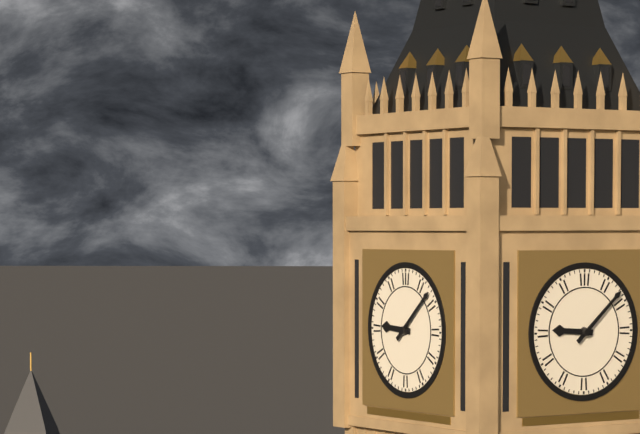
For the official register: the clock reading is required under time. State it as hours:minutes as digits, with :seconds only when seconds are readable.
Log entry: 9:08
